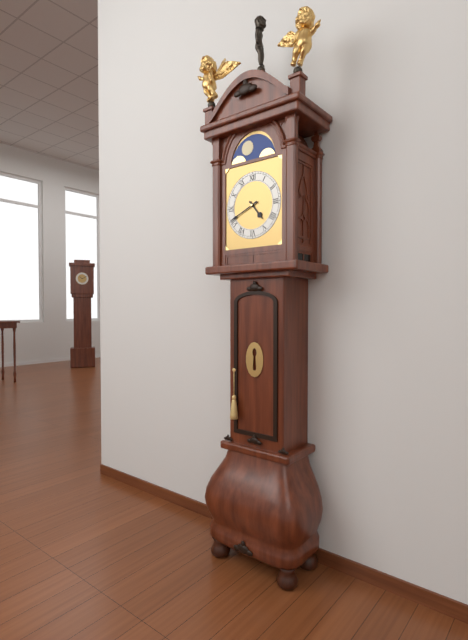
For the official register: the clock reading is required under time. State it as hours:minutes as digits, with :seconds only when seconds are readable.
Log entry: 4:41
